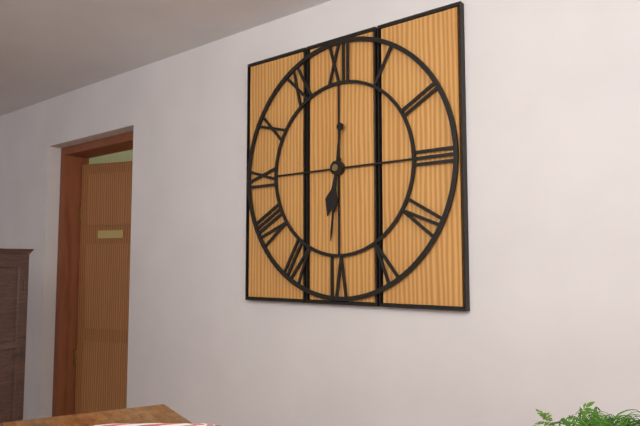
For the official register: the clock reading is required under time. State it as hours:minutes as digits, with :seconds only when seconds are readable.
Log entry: 6:31
